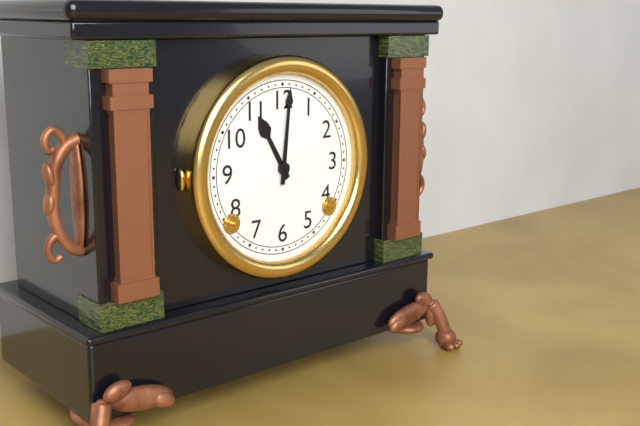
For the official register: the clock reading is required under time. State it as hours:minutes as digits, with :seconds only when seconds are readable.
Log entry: 11:01
